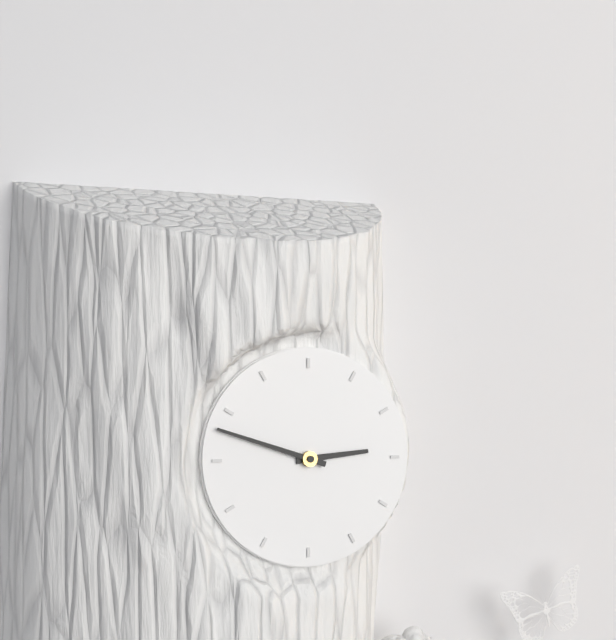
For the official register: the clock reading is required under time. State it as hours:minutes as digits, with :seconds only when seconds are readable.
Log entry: 2:48
